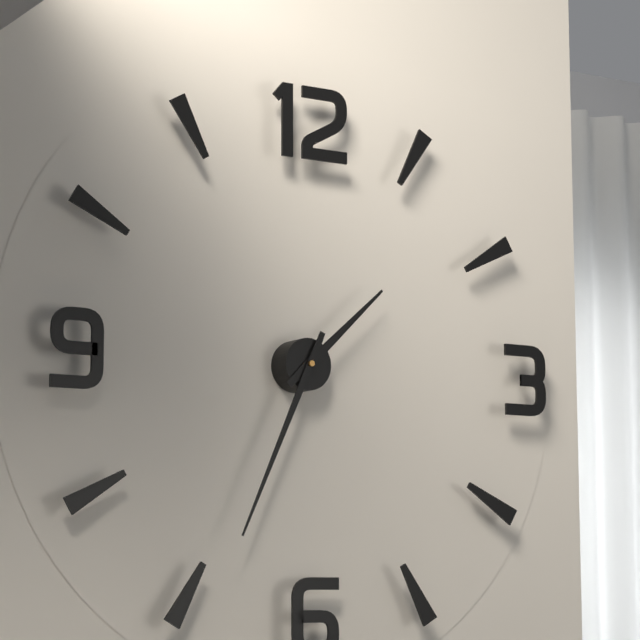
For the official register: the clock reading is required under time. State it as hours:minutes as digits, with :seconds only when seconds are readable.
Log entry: 1:34
